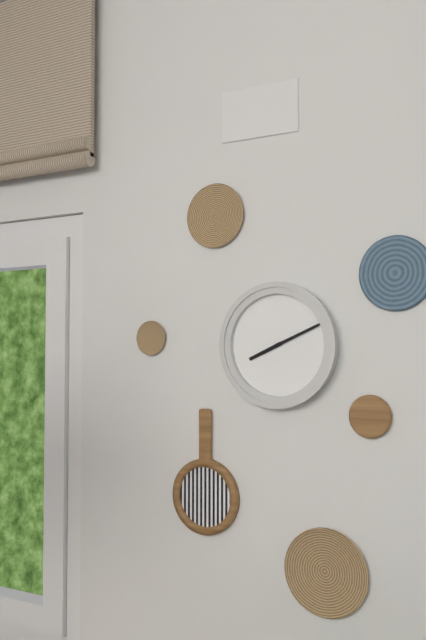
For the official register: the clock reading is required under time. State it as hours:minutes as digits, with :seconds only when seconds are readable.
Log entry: 8:11
